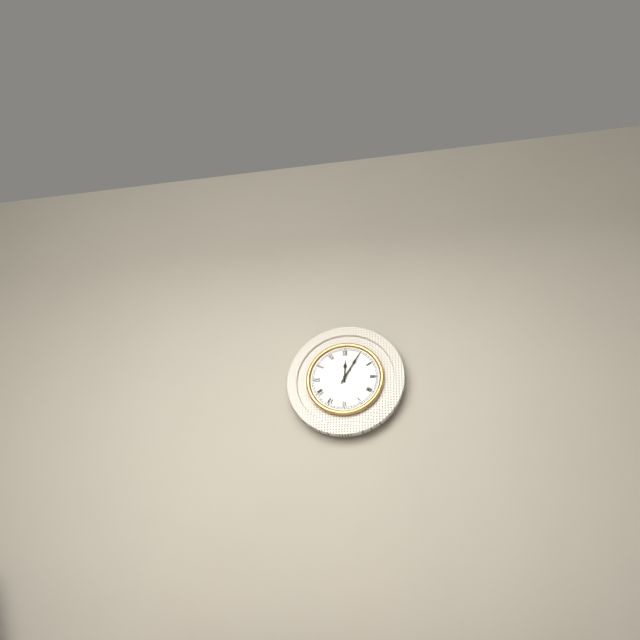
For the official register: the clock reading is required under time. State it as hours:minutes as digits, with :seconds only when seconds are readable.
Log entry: 12:05
